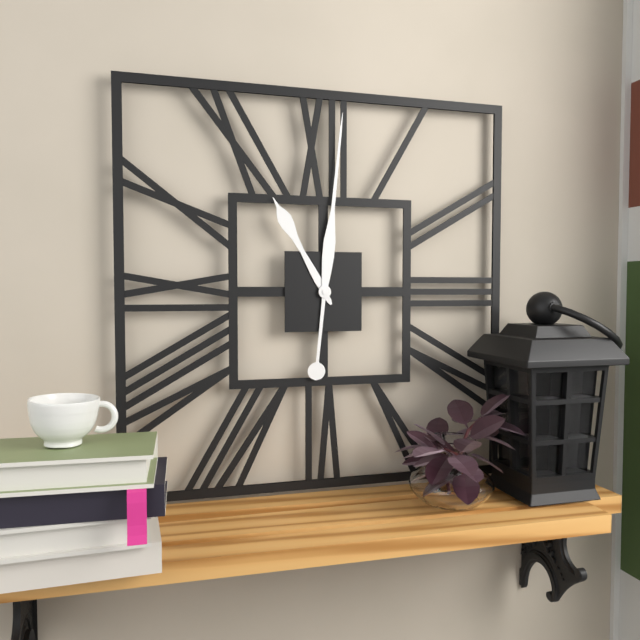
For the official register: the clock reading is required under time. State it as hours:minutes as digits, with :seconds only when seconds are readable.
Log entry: 11:01
